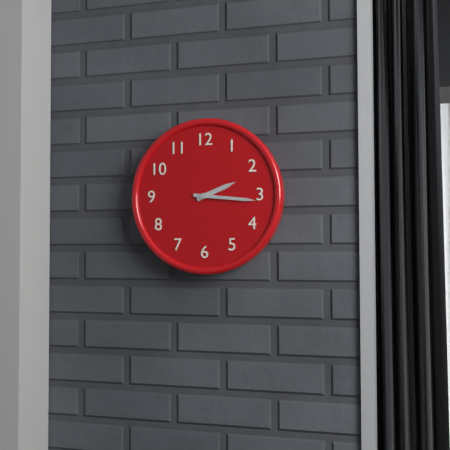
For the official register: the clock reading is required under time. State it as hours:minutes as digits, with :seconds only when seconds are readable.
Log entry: 2:16
